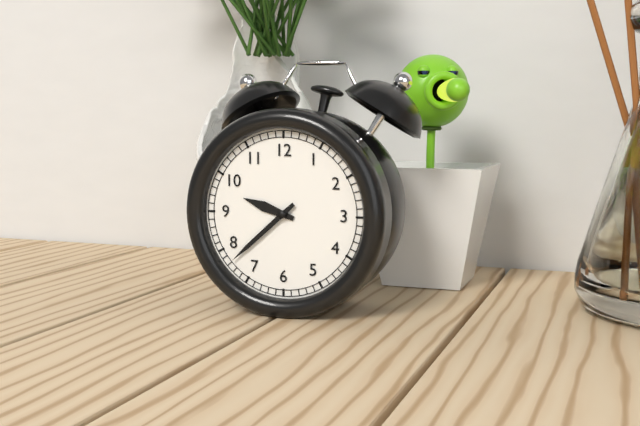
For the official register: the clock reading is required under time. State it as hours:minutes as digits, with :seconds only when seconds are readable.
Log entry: 9:38
